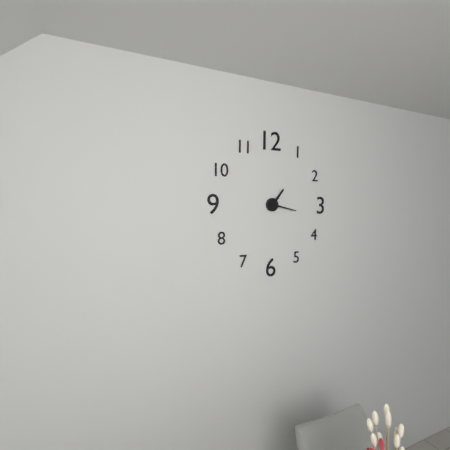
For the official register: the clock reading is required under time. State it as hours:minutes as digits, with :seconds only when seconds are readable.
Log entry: 1:17
